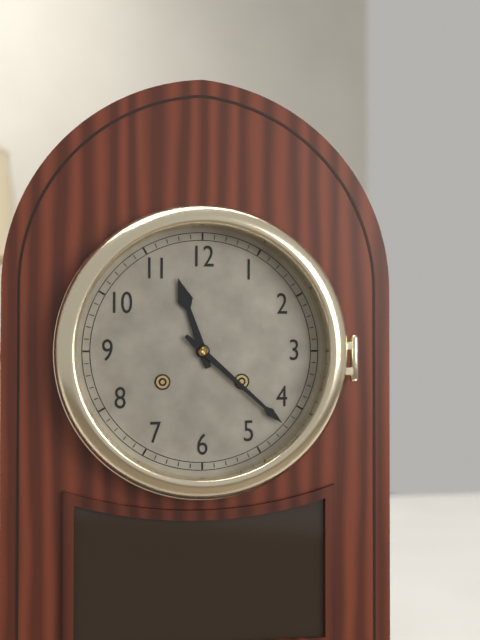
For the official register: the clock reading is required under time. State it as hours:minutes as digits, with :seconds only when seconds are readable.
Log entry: 11:22
